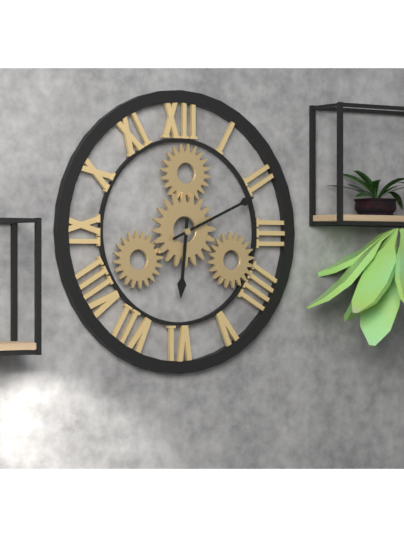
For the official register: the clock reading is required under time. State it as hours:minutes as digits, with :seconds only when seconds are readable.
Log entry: 6:11
